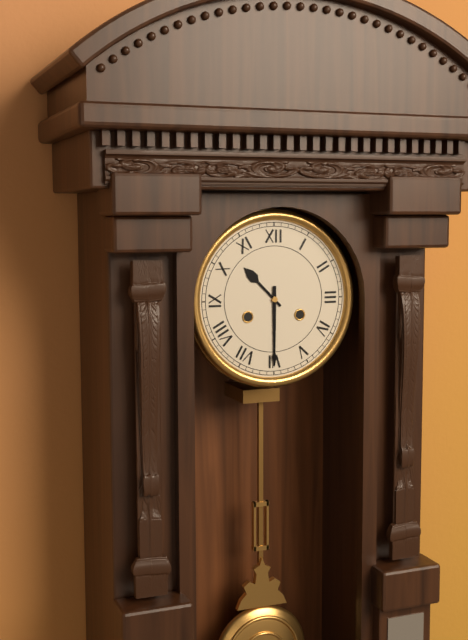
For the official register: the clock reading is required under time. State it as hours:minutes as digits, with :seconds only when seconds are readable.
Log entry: 10:30
